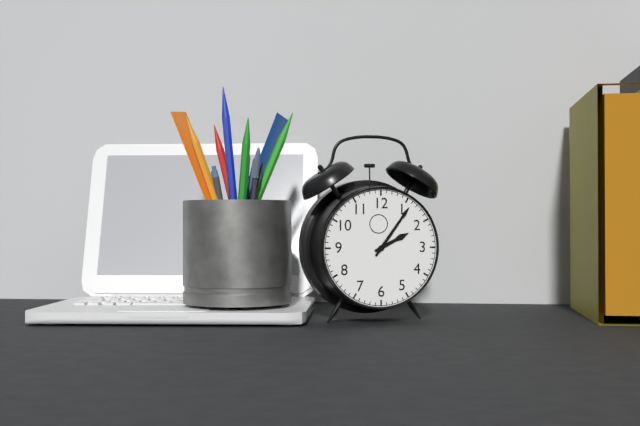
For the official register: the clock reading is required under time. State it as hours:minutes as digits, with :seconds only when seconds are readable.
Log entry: 2:06
